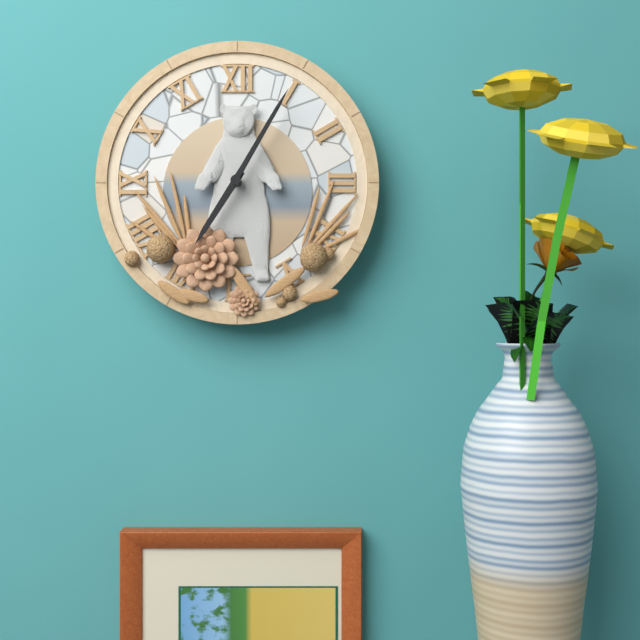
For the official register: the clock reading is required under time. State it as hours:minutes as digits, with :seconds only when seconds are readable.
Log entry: 7:05
